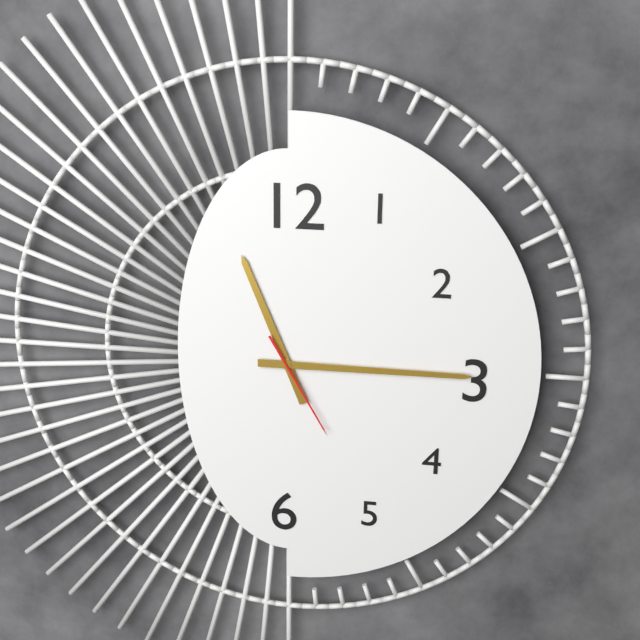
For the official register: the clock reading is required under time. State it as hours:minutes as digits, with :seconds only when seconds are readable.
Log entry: 11:15:25
